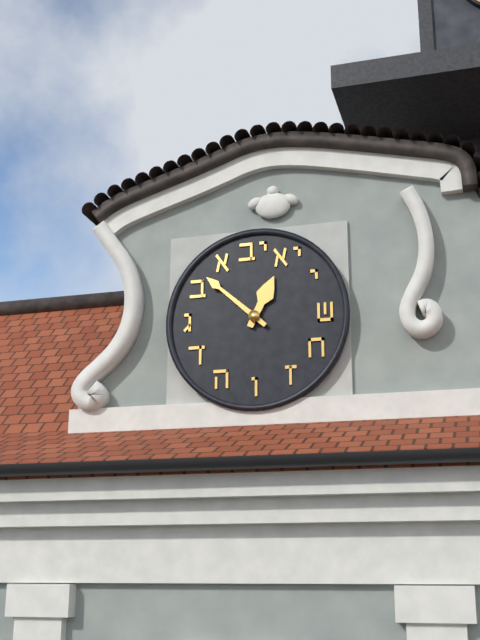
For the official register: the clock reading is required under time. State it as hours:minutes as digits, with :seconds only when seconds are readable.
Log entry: 12:52
